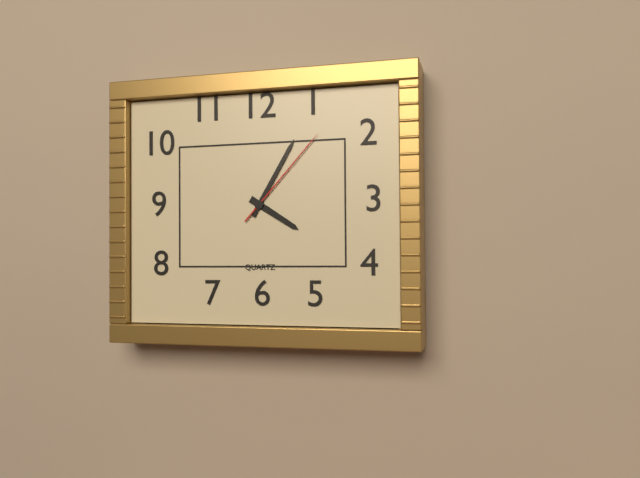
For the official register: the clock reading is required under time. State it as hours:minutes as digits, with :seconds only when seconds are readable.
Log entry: 4:05:07
